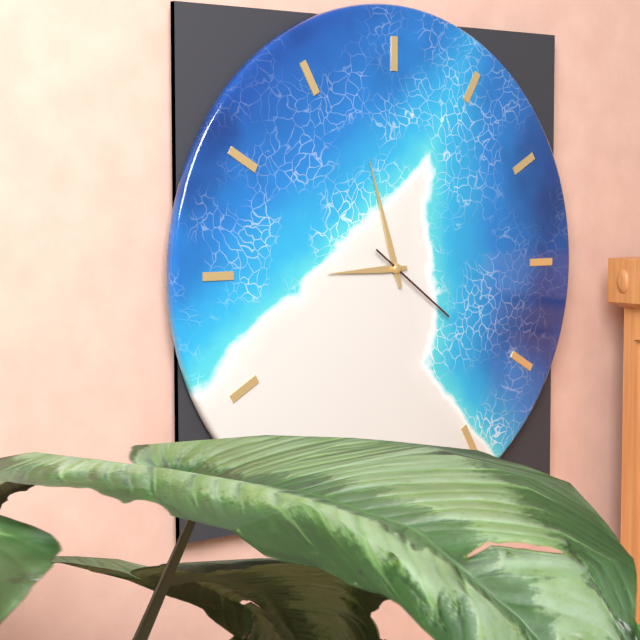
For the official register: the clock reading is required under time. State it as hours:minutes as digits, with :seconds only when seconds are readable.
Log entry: 8:57:21
